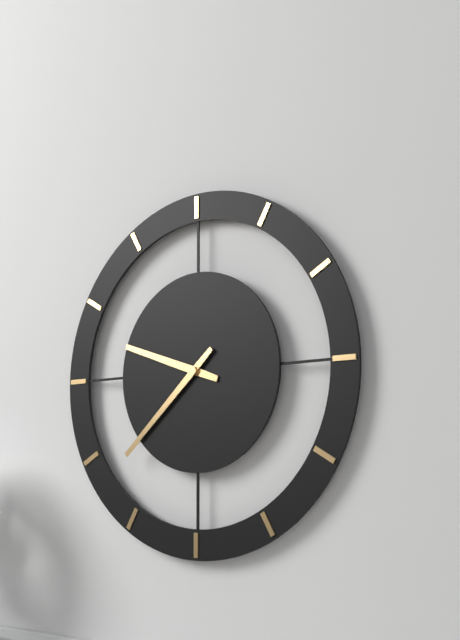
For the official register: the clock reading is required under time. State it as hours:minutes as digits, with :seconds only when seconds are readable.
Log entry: 9:38
